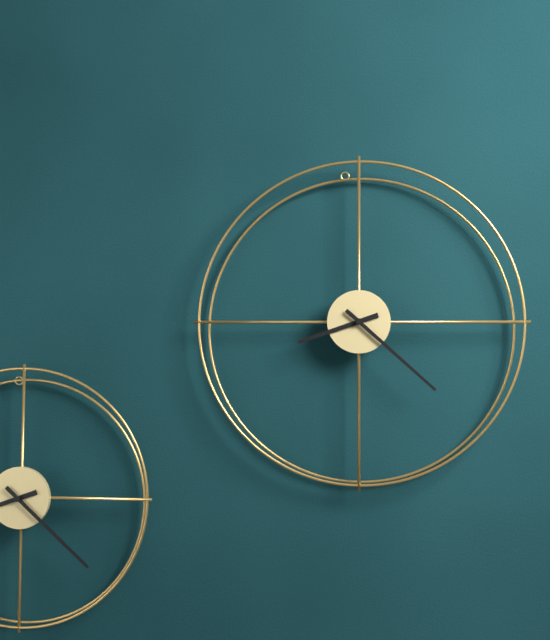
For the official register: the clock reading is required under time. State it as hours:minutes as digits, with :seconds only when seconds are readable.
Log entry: 8:22
